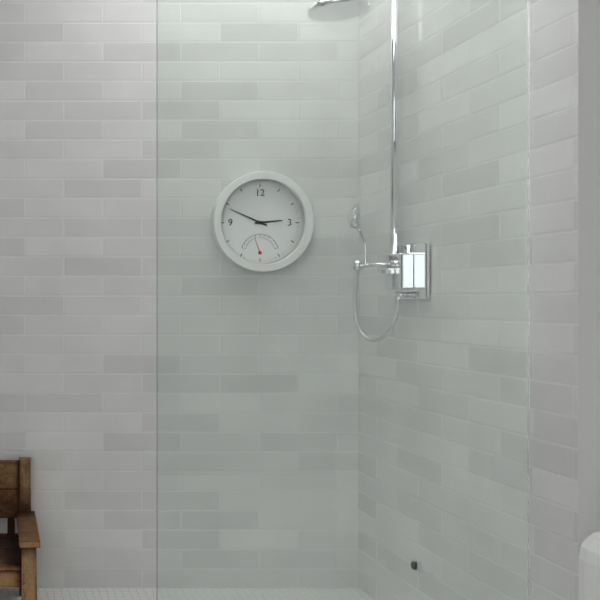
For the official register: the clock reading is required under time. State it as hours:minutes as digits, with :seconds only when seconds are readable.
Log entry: 2:49
